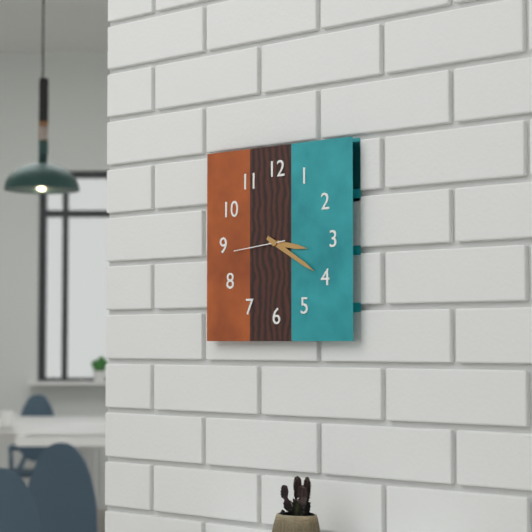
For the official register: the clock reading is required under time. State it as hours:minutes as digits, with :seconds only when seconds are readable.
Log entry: 3:20:44
